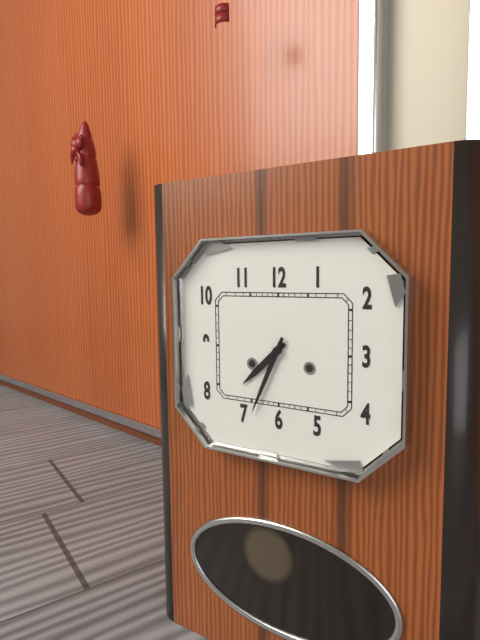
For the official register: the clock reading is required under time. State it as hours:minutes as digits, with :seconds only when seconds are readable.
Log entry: 7:34
